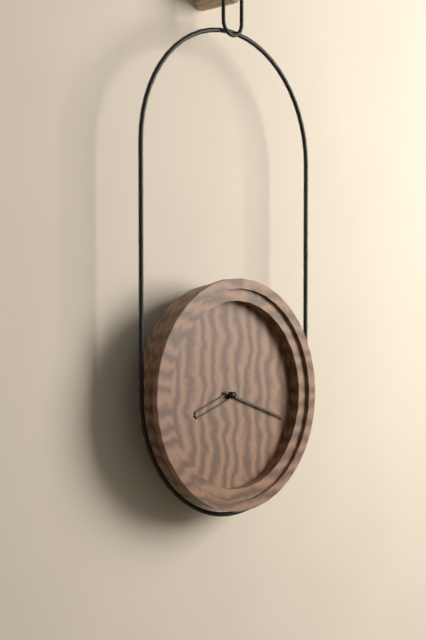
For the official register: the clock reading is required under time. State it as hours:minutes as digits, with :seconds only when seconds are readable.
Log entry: 8:18
